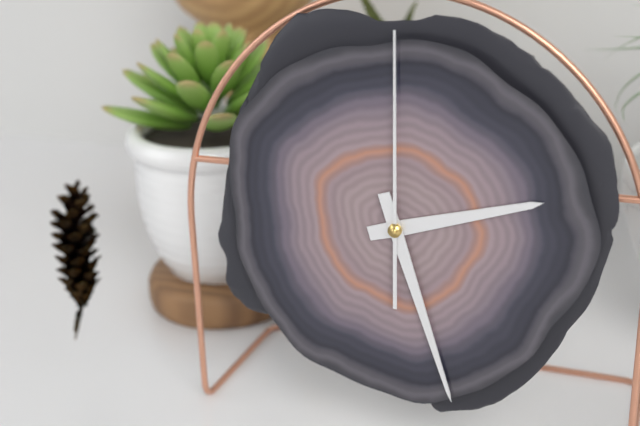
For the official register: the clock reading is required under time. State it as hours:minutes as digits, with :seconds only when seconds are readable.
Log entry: 2:27:00
